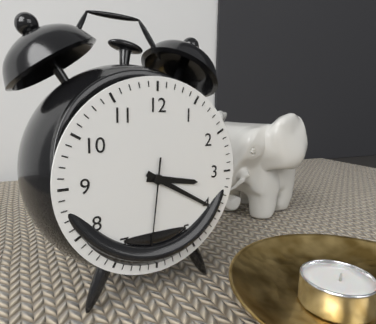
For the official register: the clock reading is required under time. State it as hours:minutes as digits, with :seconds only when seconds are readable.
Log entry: 3:20:31
